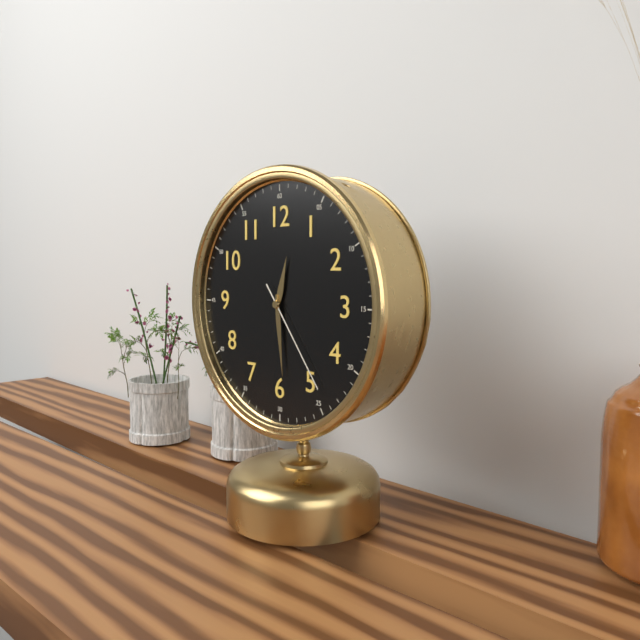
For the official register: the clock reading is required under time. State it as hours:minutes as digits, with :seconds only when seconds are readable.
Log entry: 12:29:24
